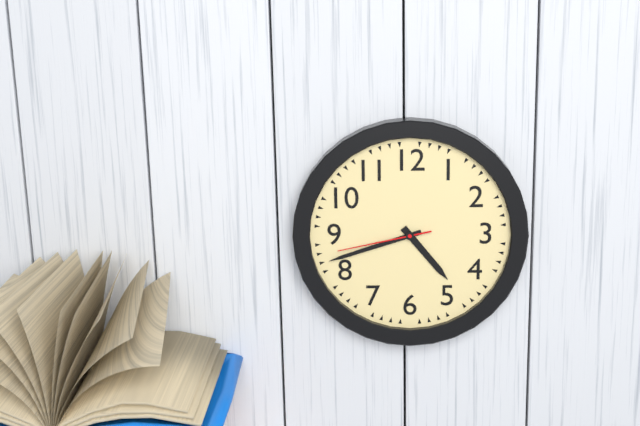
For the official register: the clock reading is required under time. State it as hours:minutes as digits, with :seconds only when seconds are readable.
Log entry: 4:42:43
